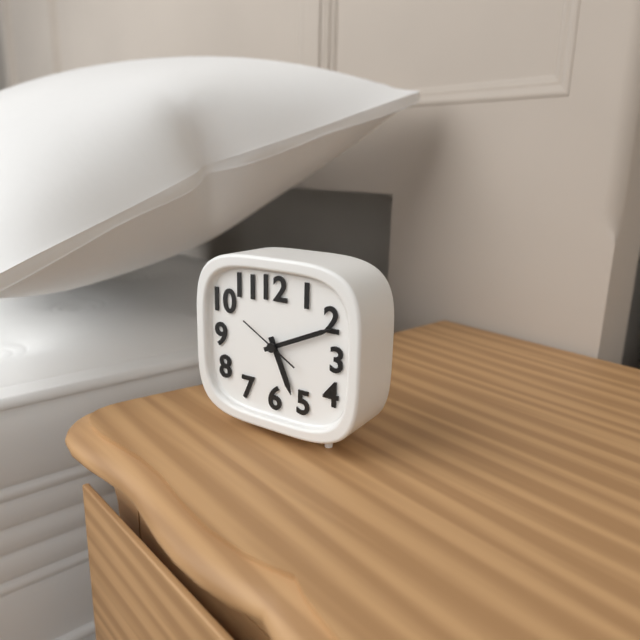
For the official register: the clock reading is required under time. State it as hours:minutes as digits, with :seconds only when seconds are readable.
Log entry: 5:11
